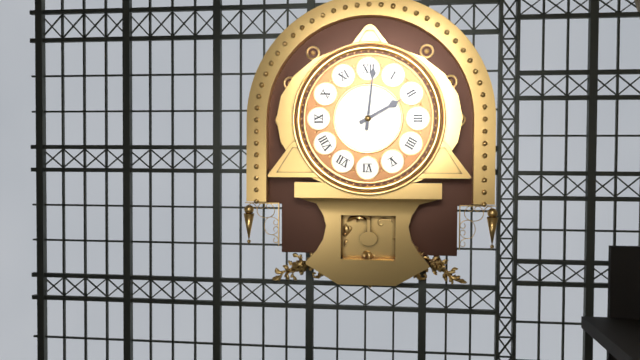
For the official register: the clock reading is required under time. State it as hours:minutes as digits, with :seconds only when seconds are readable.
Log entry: 2:01
